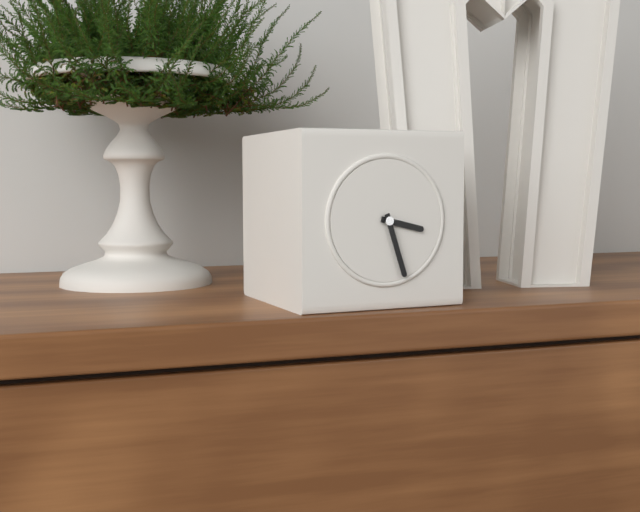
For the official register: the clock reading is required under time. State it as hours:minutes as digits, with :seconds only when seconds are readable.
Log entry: 3:27
